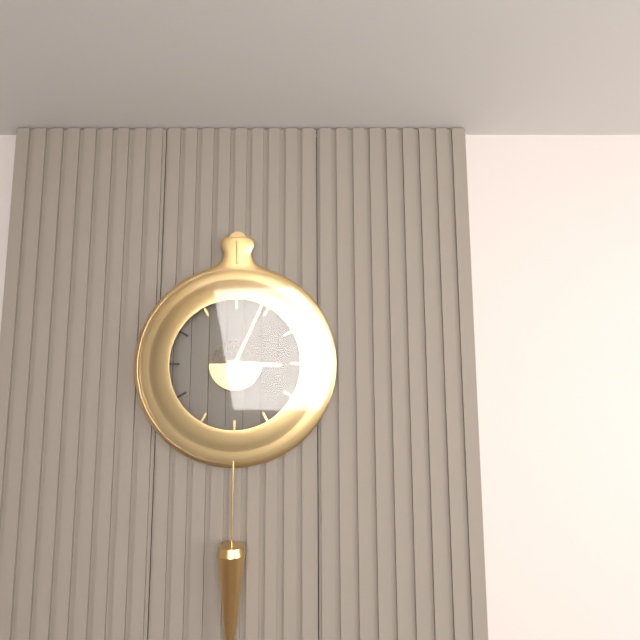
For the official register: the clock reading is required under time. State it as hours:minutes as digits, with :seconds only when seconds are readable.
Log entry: 3:04
